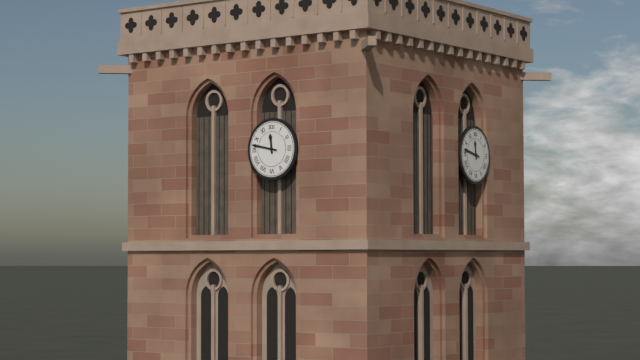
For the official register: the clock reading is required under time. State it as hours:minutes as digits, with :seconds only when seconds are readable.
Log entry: 11:47
